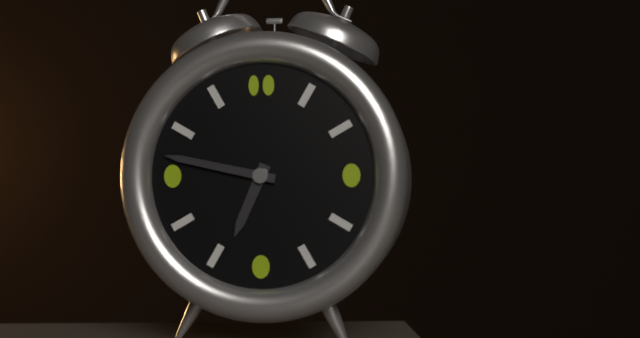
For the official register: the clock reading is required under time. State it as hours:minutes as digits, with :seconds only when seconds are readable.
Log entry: 6:47
